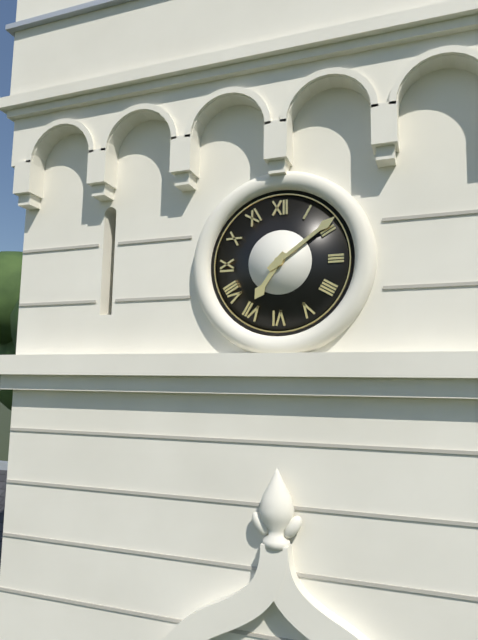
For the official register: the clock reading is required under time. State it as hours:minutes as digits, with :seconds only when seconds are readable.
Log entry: 7:09
